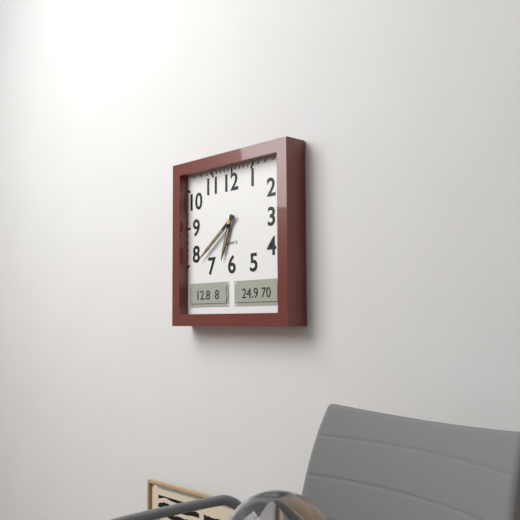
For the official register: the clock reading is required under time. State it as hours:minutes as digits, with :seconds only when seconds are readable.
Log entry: 6:39
